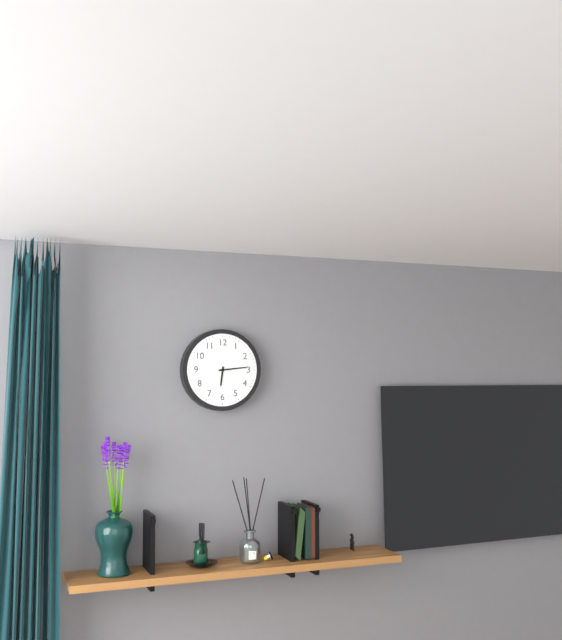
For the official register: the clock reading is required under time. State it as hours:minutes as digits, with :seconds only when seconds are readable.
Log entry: 6:14
